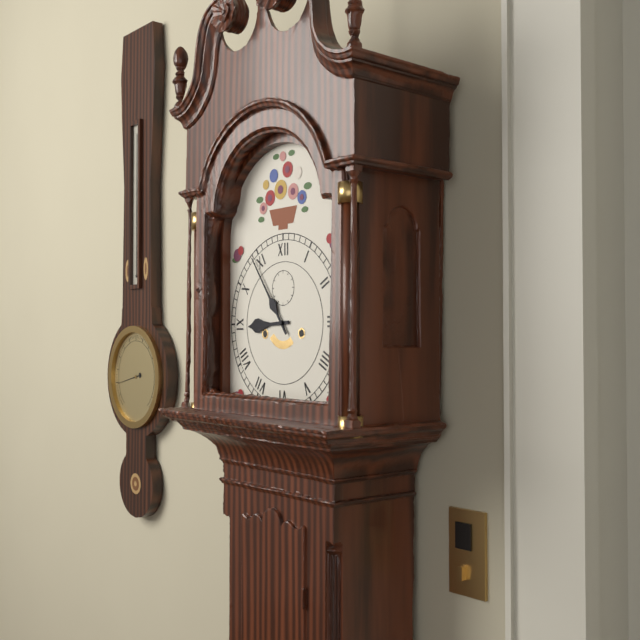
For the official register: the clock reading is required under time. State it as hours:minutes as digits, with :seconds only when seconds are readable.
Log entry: 8:54
